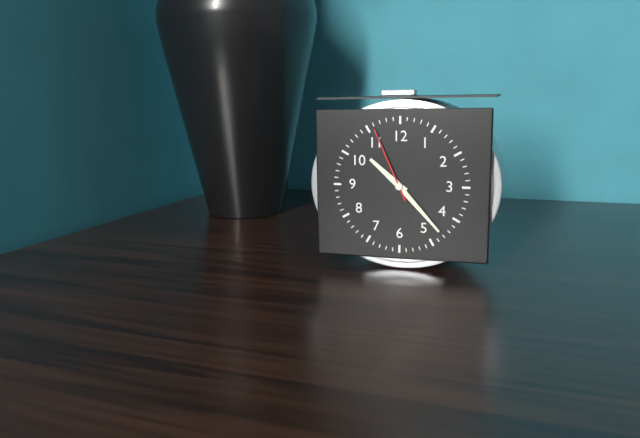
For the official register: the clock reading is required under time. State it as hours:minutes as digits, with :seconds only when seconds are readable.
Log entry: 10:23:56
